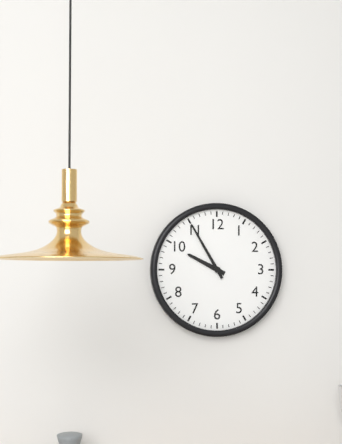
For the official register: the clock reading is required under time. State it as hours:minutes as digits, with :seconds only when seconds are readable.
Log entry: 9:55
